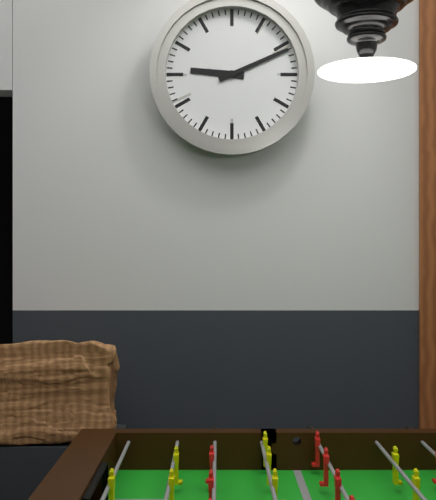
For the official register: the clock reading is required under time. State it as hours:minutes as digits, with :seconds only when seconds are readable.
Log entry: 9:11
